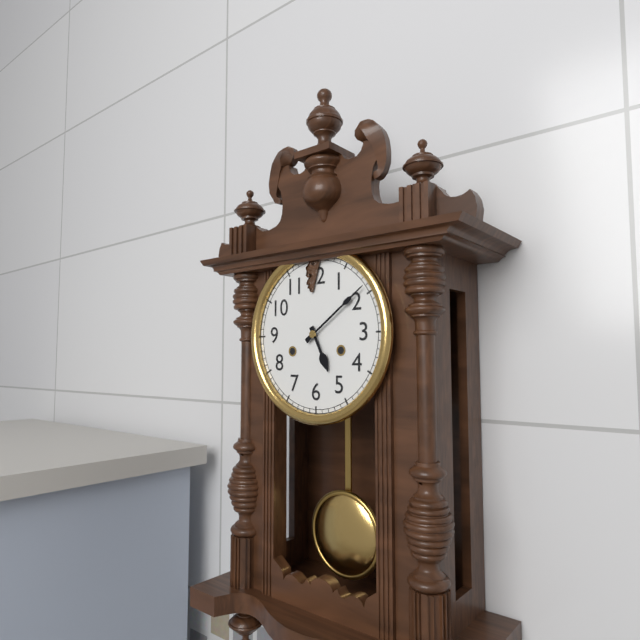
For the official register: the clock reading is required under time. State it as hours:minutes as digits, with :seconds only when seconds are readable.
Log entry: 5:09
